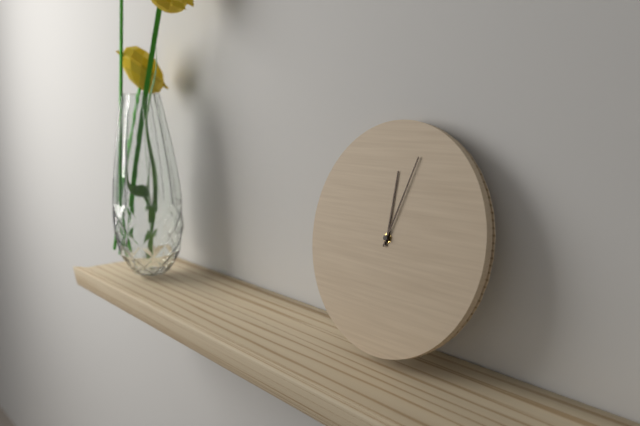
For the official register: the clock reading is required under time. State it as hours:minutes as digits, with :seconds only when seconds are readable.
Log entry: 12:03
